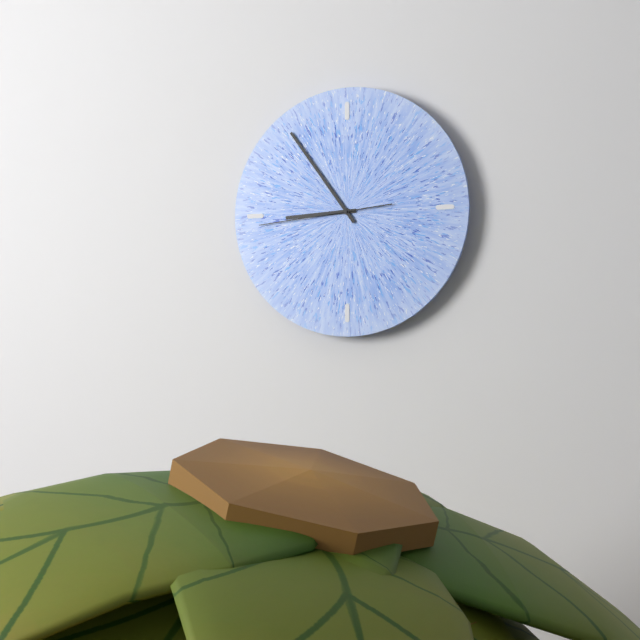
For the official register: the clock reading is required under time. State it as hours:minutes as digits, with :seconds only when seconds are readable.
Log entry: 8:54:44
